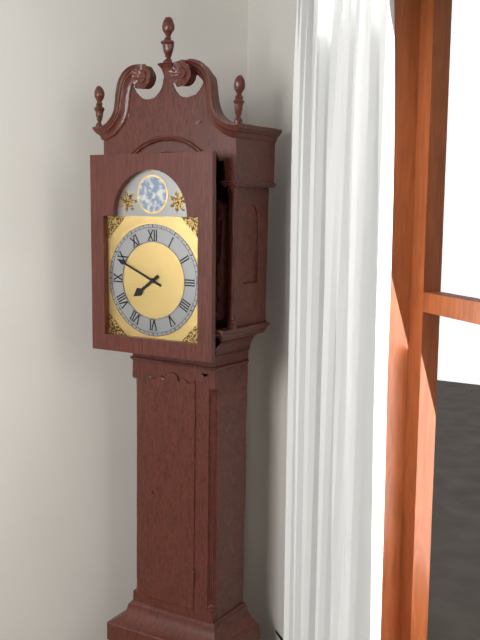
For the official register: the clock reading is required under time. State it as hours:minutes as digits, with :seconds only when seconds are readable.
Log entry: 7:49
